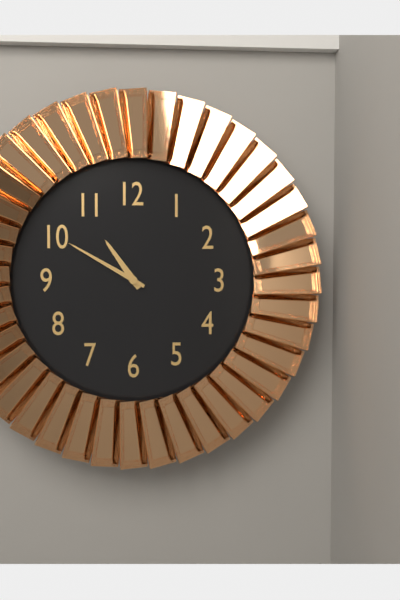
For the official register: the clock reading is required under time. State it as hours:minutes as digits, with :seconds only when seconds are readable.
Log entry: 10:50
